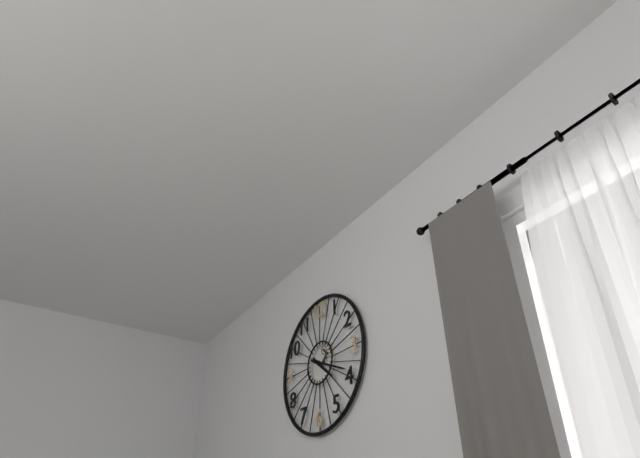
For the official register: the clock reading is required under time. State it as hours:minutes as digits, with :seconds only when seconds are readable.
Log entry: 4:19
